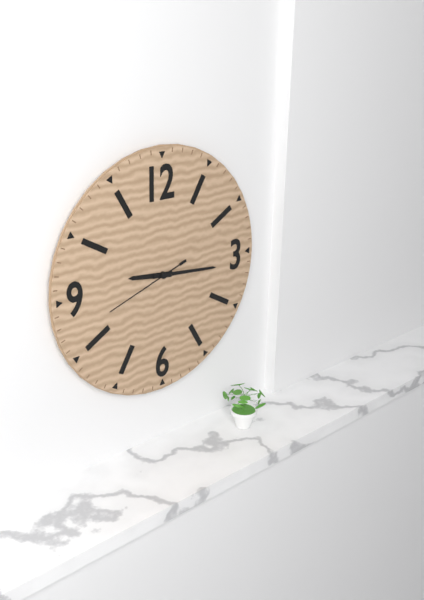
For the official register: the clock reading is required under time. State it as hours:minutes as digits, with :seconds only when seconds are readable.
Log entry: 9:16:42
